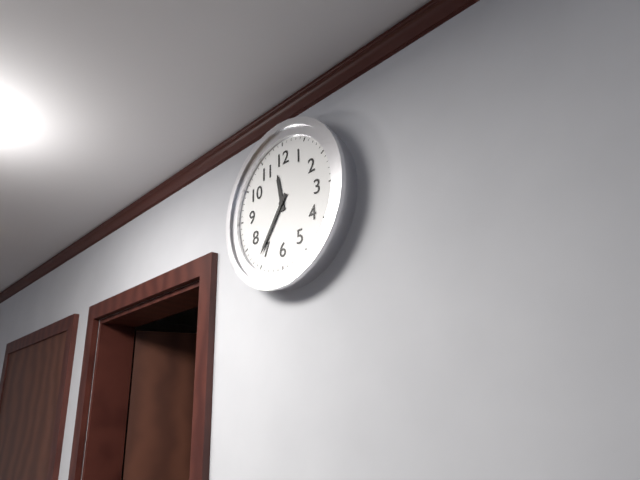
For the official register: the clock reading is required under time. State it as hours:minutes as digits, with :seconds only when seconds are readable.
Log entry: 11:36
